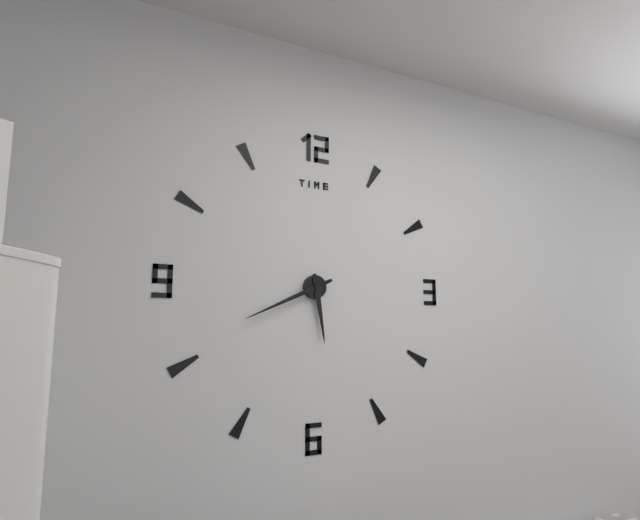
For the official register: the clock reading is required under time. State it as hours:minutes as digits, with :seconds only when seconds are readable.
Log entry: 5:41
